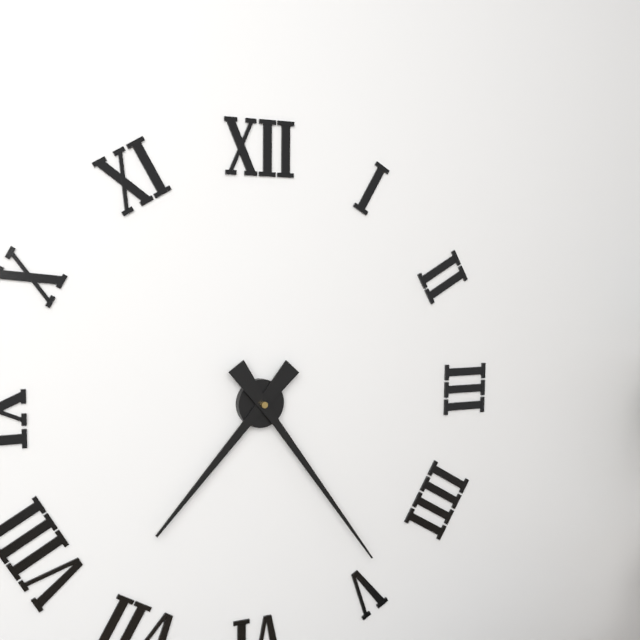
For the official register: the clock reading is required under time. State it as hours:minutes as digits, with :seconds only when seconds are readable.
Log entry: 7:24
